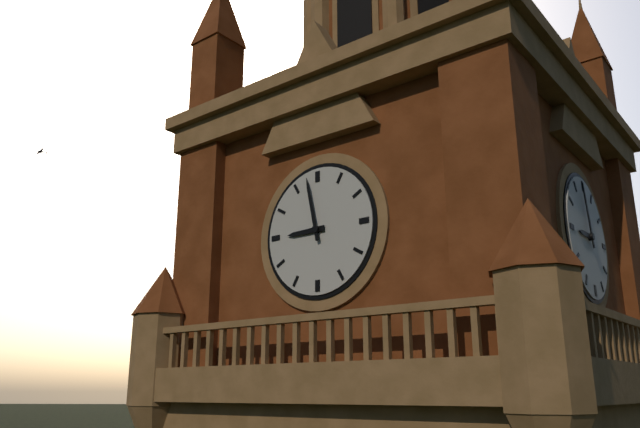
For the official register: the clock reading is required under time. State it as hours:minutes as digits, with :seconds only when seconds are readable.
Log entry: 8:58
